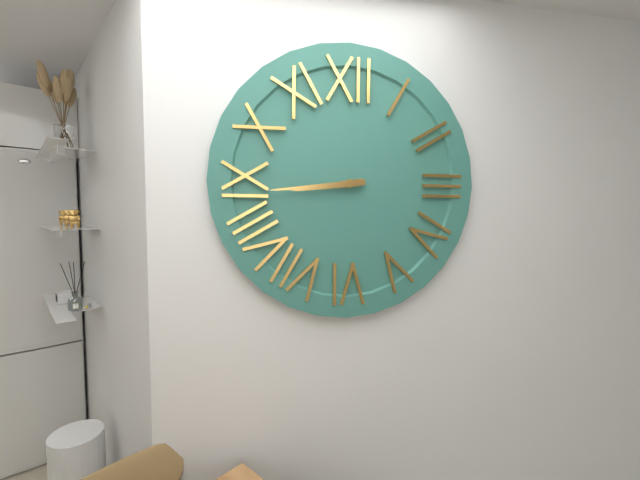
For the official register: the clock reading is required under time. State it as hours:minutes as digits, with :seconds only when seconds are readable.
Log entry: 8:44
